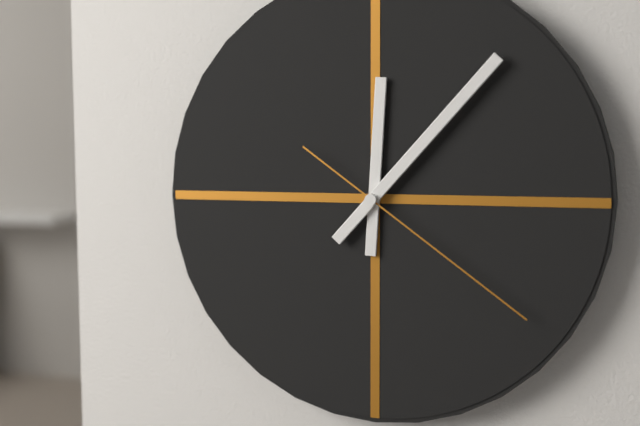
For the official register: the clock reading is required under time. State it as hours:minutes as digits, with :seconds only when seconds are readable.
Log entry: 12:07:21
